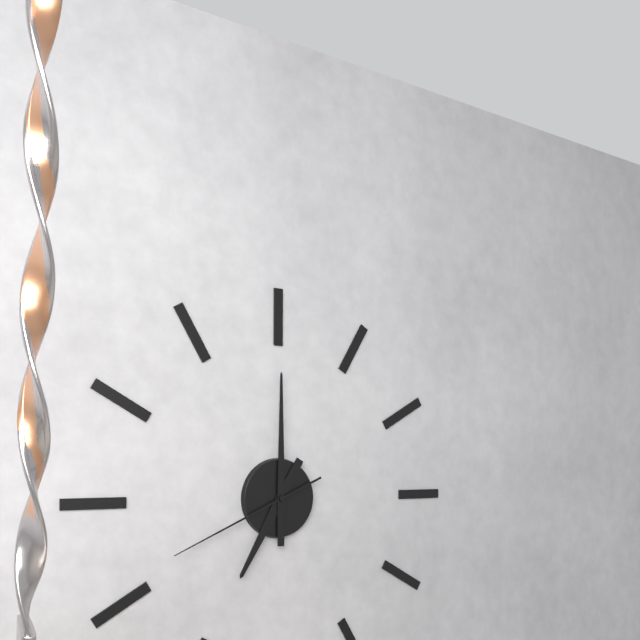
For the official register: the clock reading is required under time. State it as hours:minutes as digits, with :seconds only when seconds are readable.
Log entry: 7:00:41
